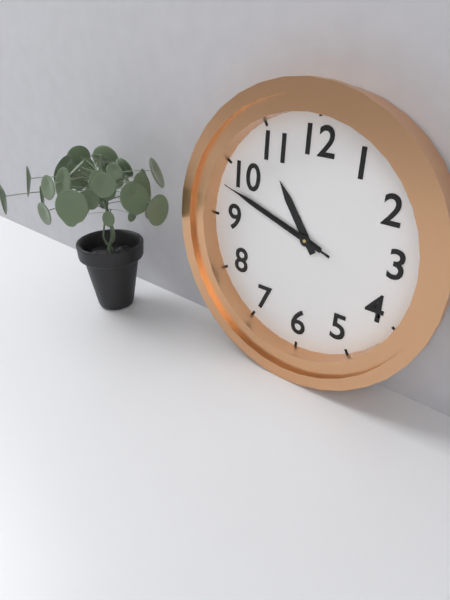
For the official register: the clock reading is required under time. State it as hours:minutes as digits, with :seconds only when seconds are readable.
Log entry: 10:48:48
